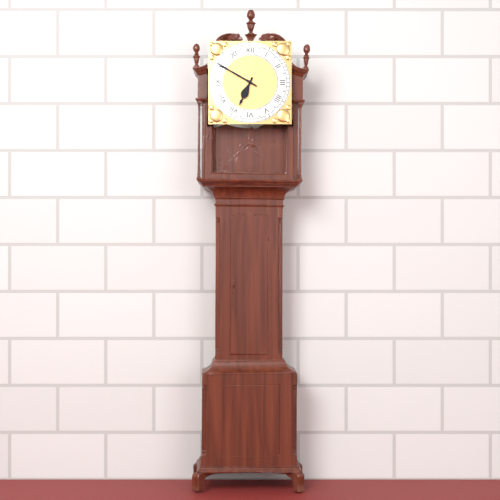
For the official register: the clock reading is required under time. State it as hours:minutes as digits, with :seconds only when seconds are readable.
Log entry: 6:50
